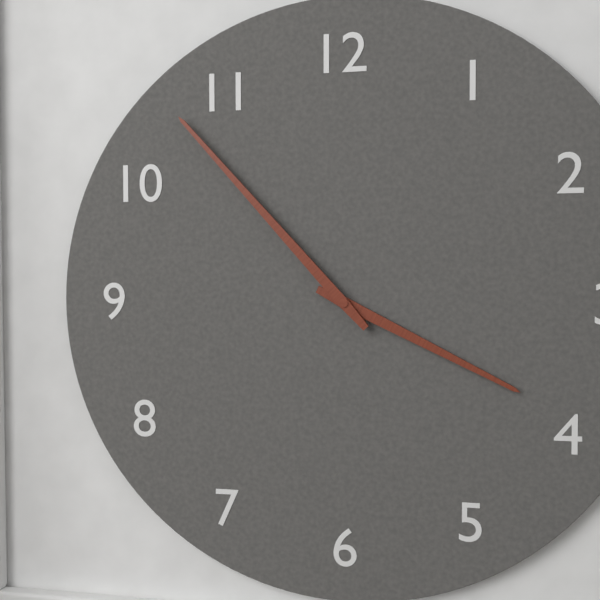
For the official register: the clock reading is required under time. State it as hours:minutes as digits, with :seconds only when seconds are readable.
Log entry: 3:53
